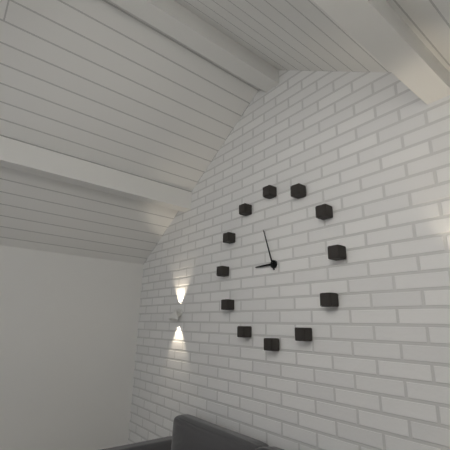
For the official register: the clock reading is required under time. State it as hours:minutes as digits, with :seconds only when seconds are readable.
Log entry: 8:57
